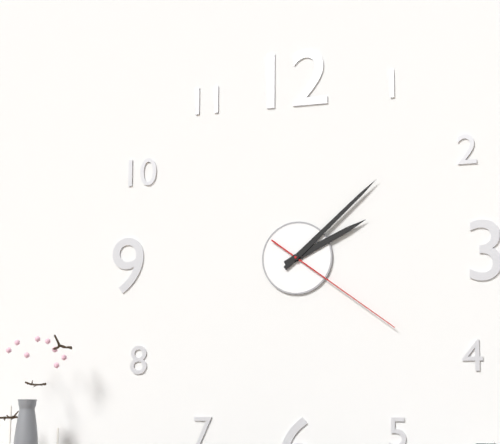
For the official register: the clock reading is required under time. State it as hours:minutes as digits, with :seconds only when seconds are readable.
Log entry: 2:08:21
